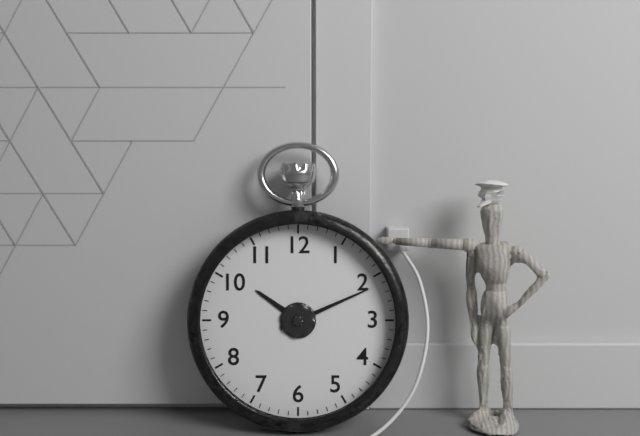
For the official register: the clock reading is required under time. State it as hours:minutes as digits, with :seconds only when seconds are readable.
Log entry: 10:11
